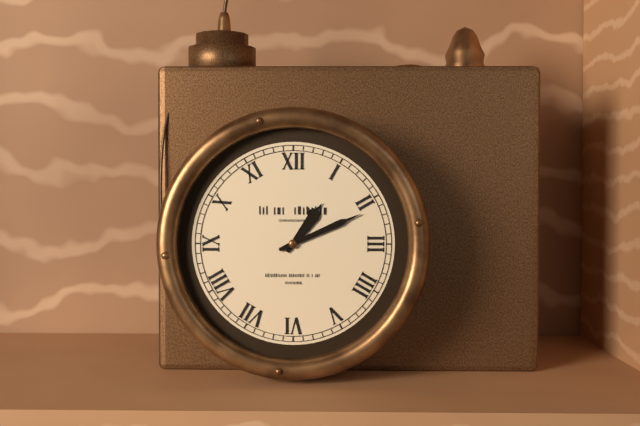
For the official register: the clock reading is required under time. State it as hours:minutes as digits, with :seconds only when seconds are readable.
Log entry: 1:11
